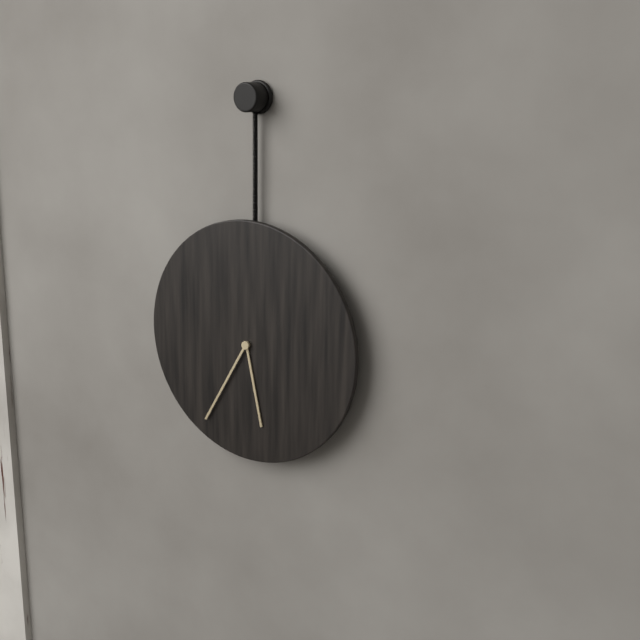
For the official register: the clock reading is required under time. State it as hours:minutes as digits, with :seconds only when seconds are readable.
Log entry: 5:35
